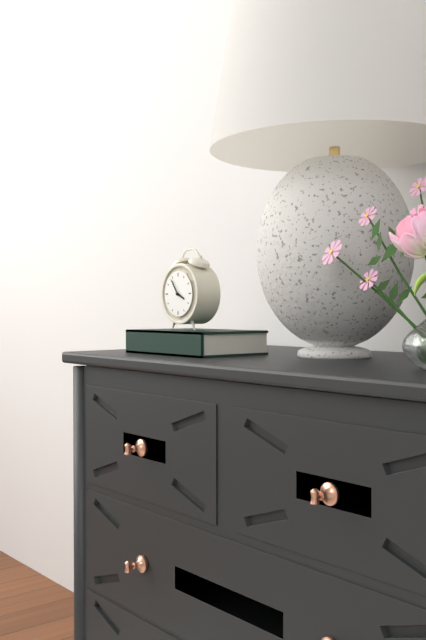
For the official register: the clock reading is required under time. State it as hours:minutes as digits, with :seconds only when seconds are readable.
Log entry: 3:54
